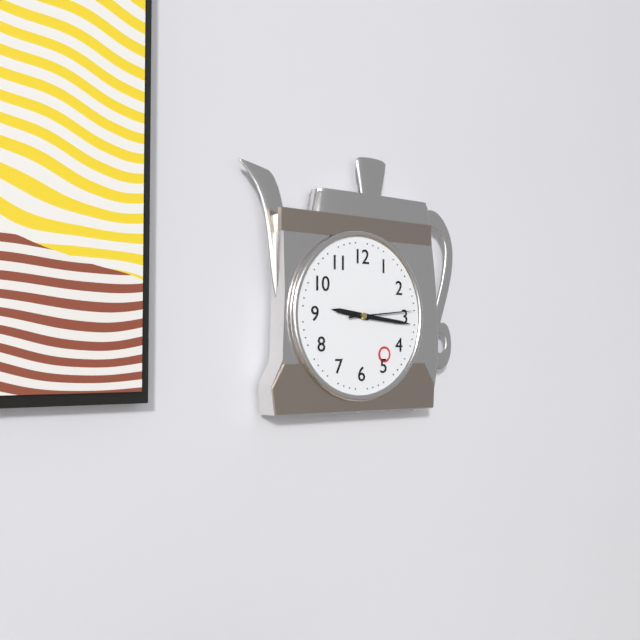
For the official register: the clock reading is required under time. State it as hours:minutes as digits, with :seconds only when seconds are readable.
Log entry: 9:16:14
